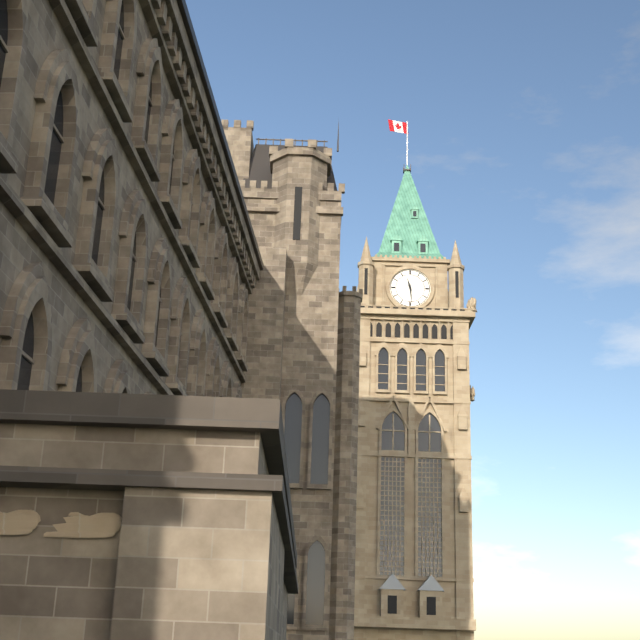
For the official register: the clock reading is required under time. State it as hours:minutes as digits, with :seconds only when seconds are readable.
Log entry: 11:29
